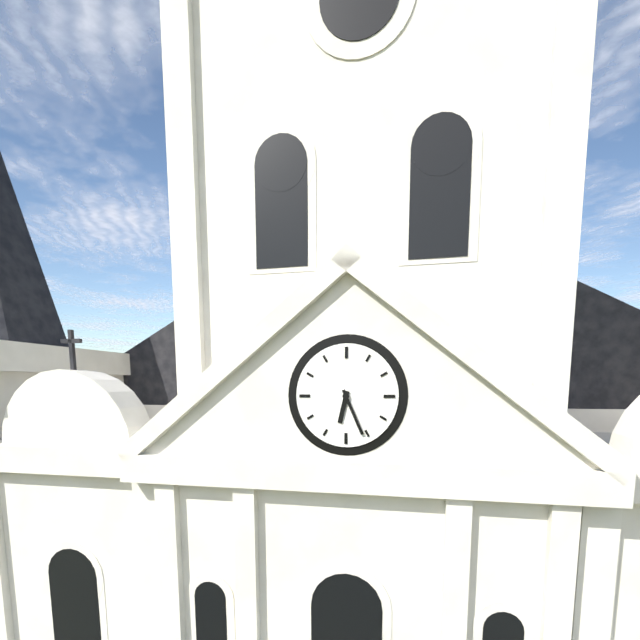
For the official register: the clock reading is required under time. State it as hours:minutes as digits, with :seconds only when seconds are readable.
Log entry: 6:26
